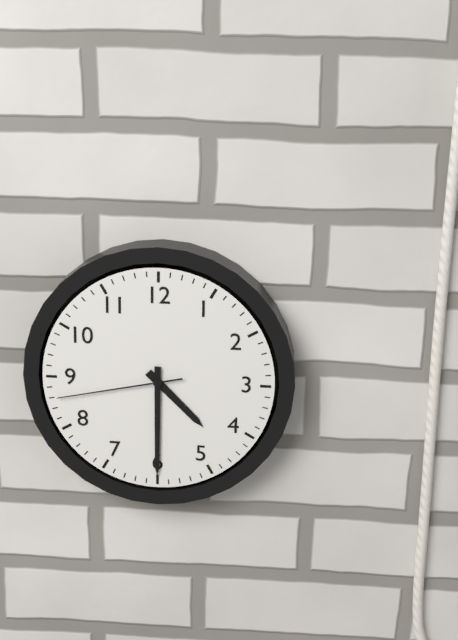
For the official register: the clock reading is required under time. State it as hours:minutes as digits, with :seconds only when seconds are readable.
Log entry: 4:30:43
